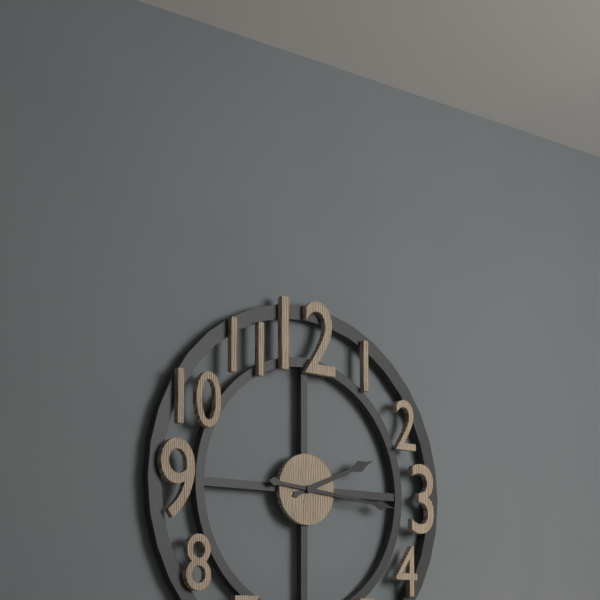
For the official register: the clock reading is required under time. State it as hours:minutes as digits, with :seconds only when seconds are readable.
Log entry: 2:16
